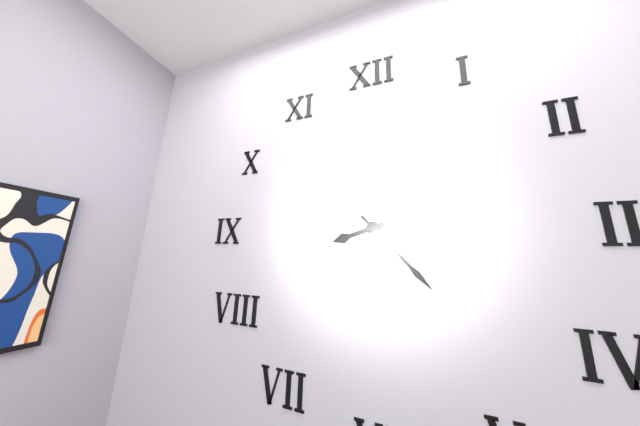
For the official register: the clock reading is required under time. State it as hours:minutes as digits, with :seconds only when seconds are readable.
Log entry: 8:23
